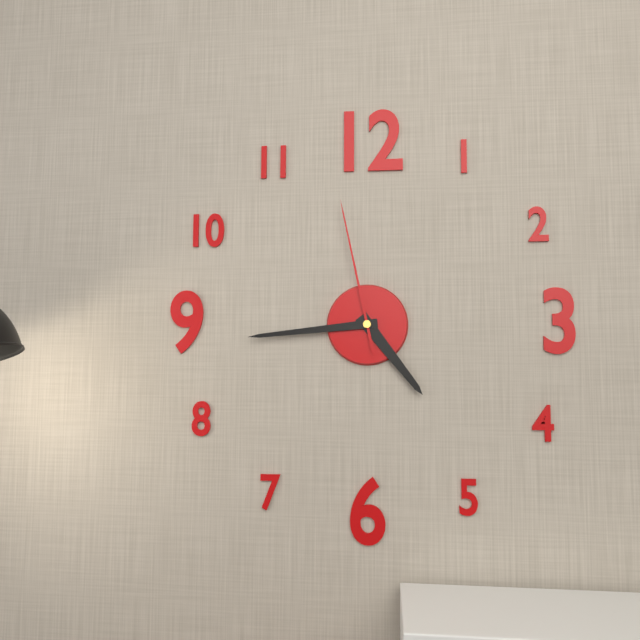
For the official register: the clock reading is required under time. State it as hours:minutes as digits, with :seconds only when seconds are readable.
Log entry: 4:44:58
